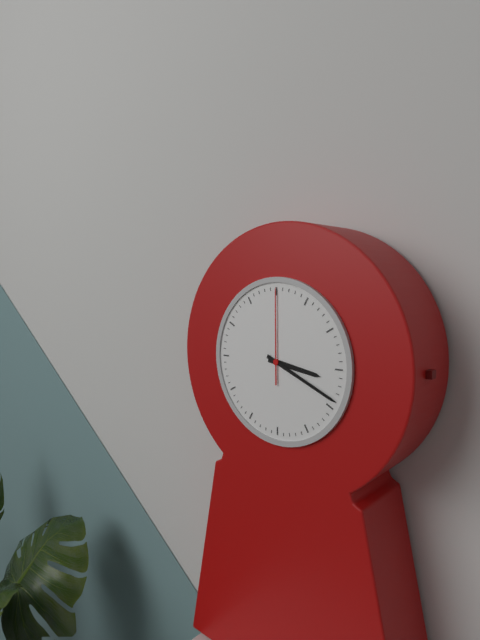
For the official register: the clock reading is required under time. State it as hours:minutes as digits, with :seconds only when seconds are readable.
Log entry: 3:19:00
